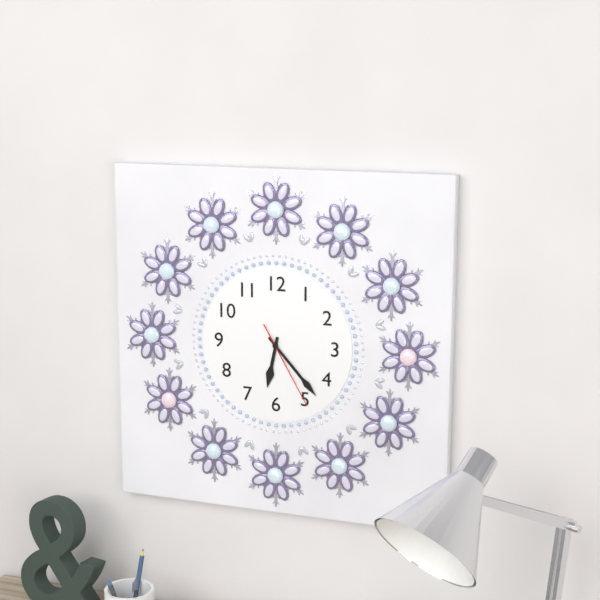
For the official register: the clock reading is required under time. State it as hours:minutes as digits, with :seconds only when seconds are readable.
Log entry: 6:23:25
